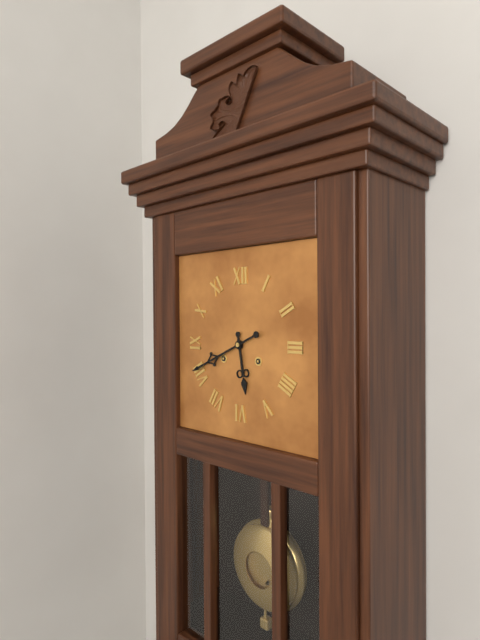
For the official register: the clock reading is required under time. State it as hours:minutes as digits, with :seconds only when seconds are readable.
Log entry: 5:41
